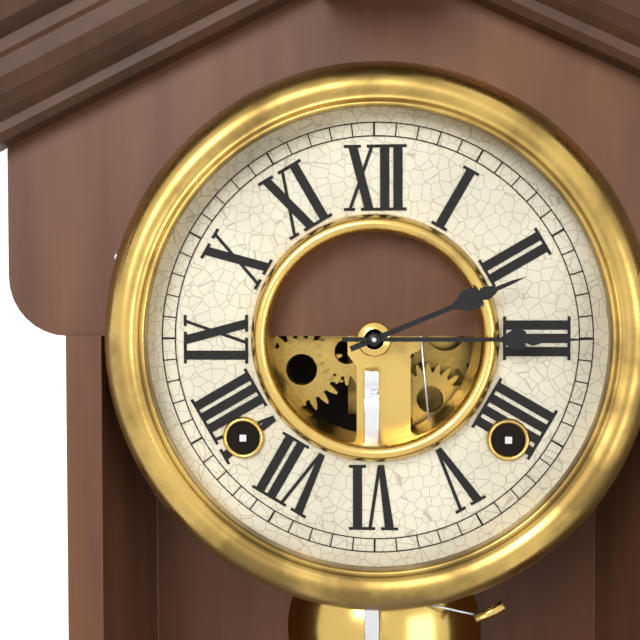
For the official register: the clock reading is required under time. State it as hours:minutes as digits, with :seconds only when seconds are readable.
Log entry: 2:15
